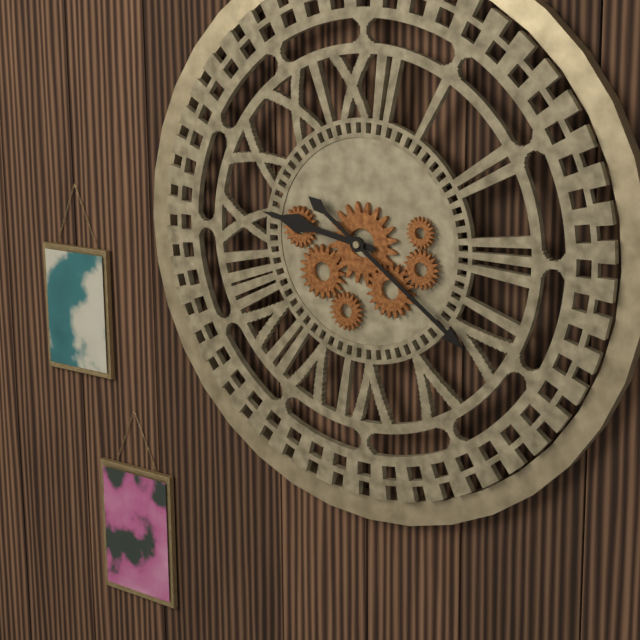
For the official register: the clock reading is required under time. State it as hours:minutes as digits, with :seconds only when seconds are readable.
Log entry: 9:21
